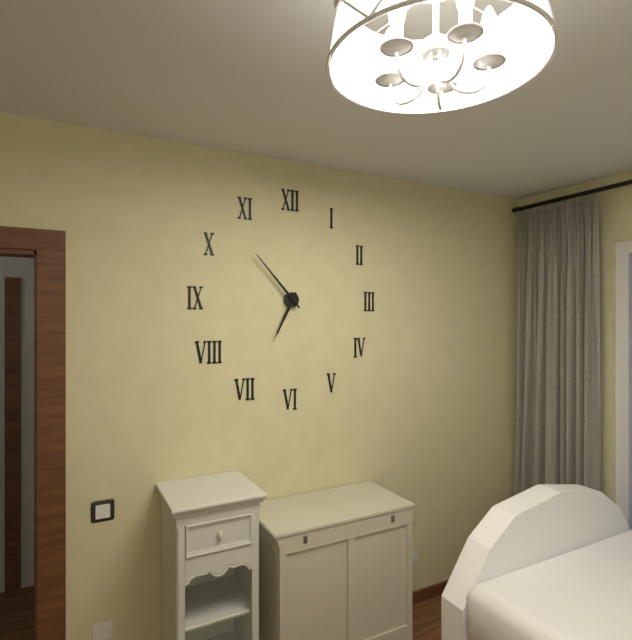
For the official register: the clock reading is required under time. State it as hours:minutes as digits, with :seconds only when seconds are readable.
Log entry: 6:53
